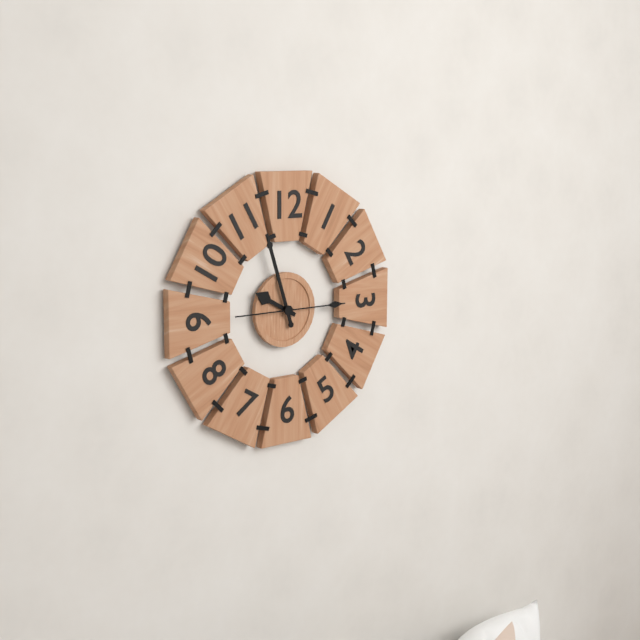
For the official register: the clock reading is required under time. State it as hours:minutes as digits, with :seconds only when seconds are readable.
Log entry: 9:57:15
